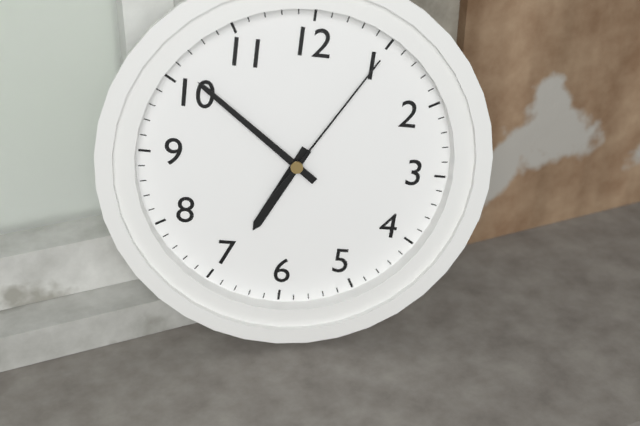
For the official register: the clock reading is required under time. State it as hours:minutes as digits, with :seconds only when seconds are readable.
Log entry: 6:51:05
